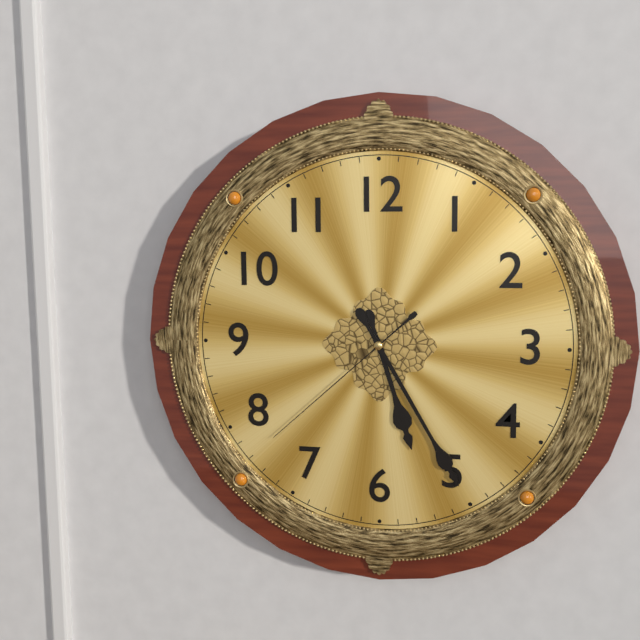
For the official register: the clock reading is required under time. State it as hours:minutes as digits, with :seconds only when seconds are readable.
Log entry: 5:25:38
